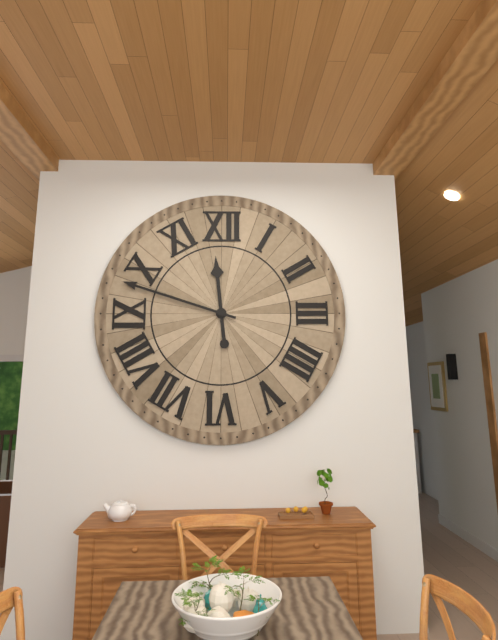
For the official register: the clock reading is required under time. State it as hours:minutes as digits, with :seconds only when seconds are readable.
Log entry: 11:48
